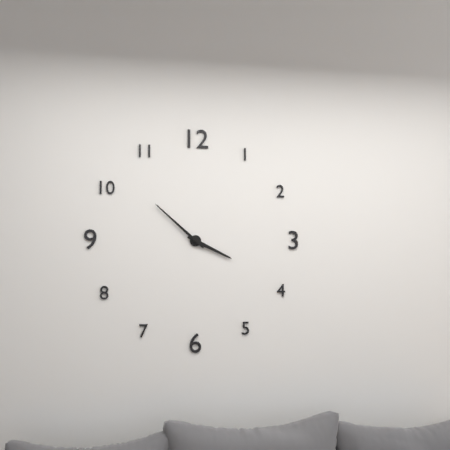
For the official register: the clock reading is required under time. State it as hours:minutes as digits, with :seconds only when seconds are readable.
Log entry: 3:52
